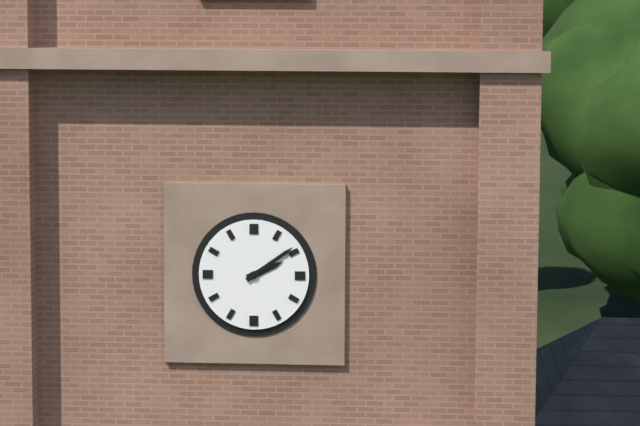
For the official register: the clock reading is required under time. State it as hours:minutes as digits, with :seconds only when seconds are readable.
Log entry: 2:09
